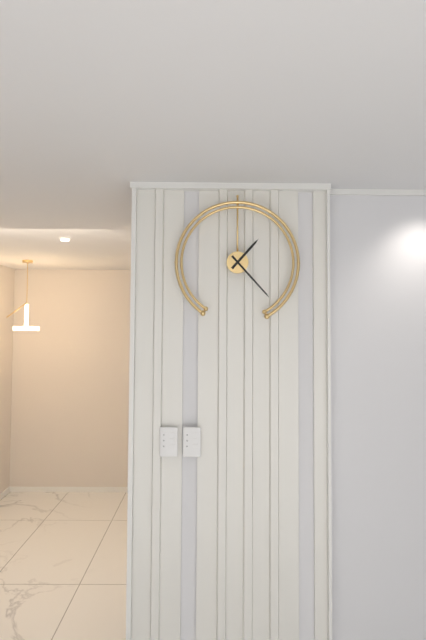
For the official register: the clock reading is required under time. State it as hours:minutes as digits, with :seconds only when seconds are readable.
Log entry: 1:23
